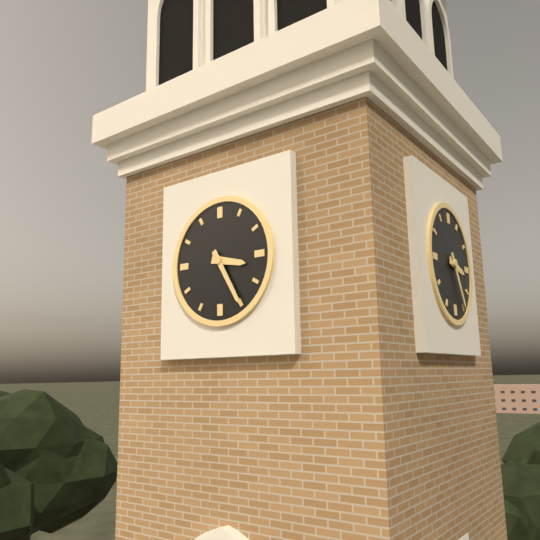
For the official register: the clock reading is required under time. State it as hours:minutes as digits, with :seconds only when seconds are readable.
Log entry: 3:25
